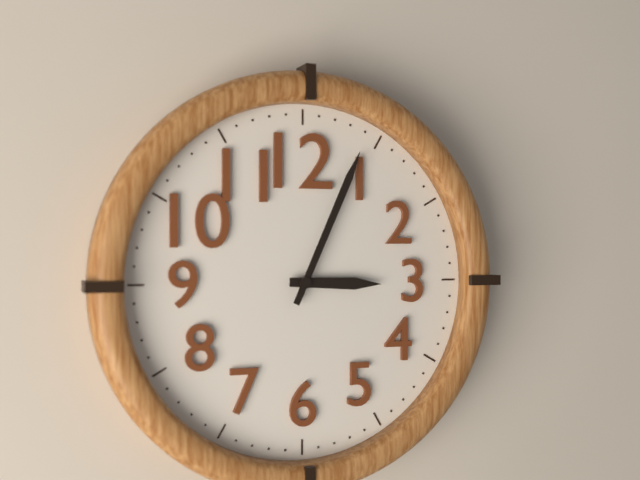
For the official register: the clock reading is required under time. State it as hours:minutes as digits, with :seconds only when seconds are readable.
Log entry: 3:04
